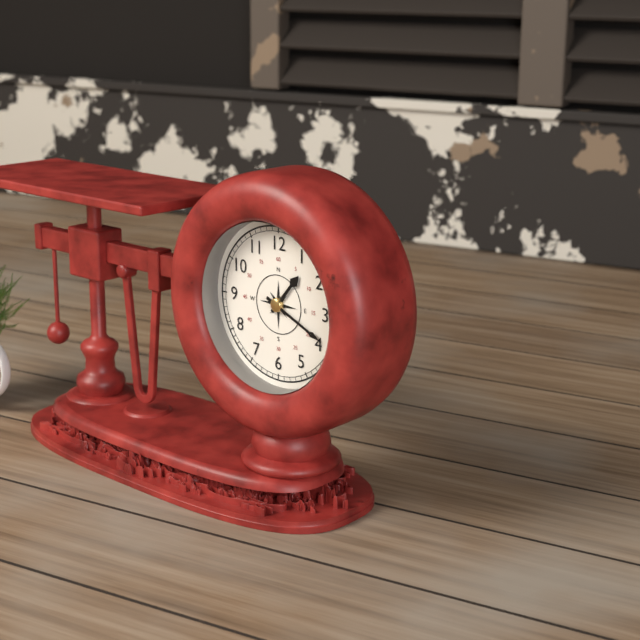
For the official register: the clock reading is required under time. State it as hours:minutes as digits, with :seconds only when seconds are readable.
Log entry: 1:19
